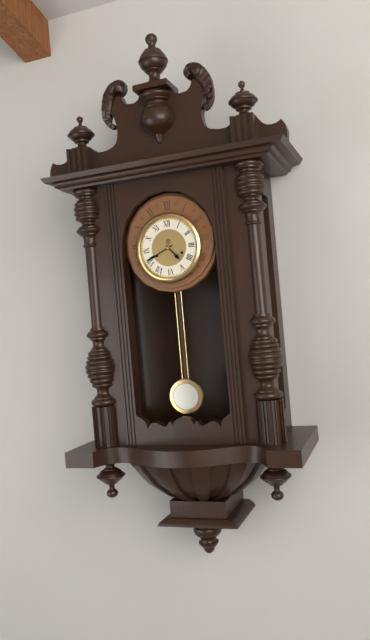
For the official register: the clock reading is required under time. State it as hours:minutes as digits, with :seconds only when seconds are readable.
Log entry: 4:41
